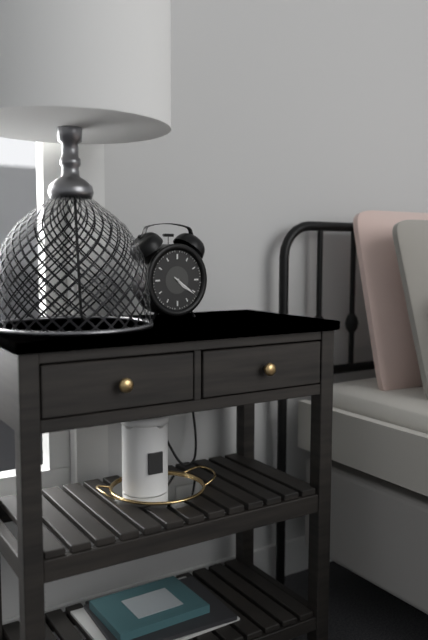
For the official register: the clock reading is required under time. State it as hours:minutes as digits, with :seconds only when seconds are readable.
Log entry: 4:21
